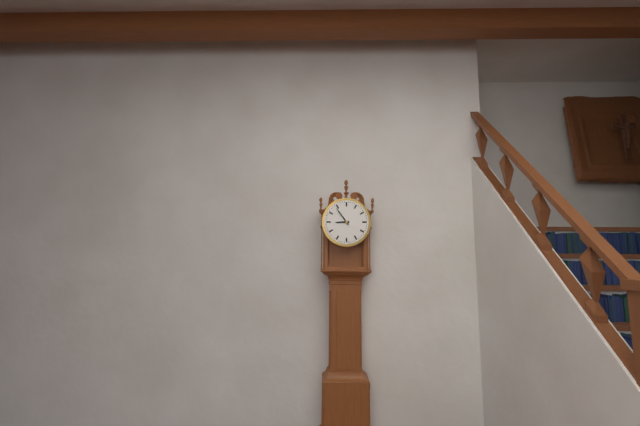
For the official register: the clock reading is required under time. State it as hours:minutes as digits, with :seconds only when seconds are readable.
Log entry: 8:54
